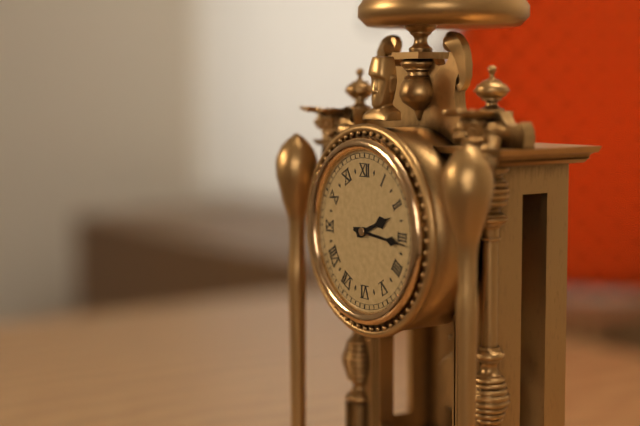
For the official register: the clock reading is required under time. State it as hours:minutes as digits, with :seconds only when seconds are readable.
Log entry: 2:16
